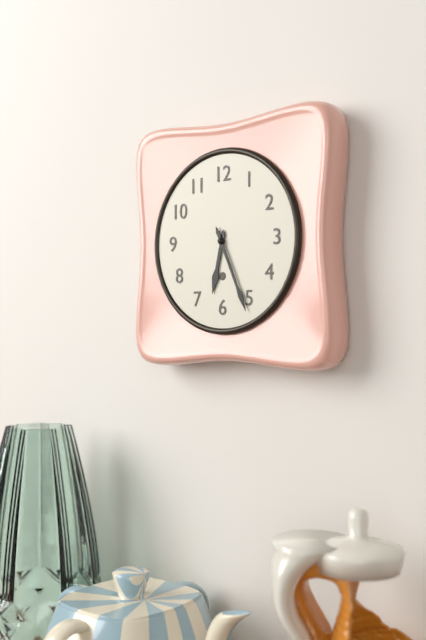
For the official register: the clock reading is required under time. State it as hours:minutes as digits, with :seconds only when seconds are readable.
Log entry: 6:26
